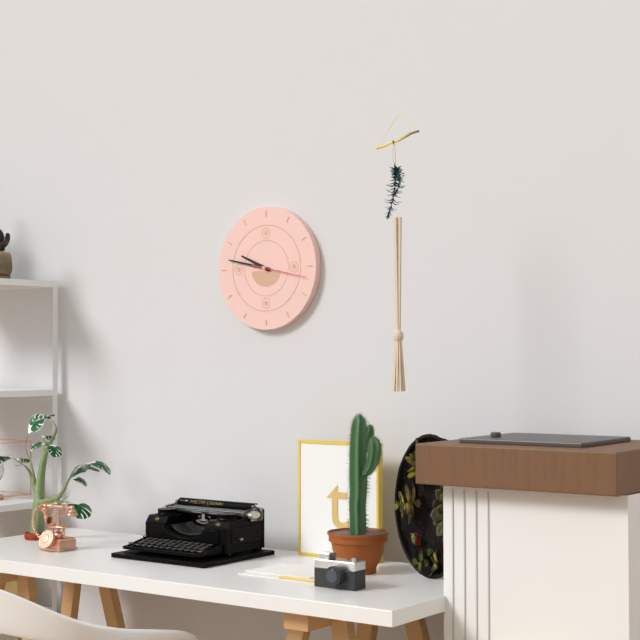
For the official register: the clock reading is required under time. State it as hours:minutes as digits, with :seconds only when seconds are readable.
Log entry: 9:47
